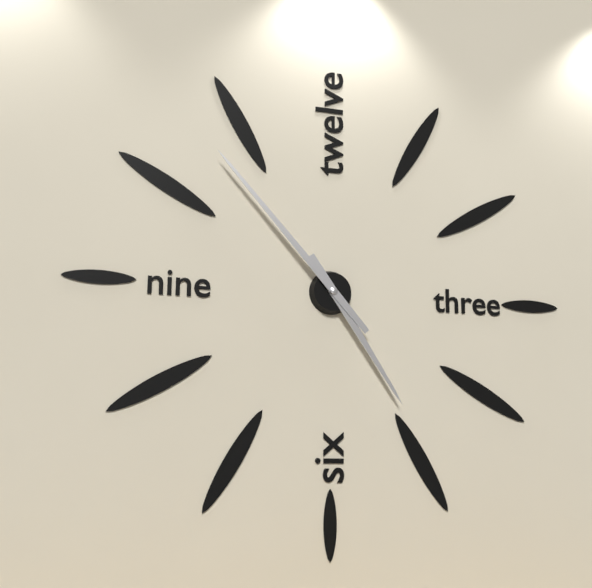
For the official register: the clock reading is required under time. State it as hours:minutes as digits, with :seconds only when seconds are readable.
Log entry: 4:53
